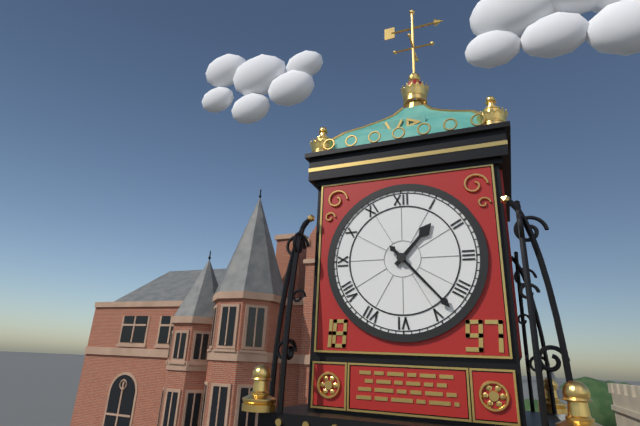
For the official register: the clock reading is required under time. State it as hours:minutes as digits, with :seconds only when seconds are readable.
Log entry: 1:23
